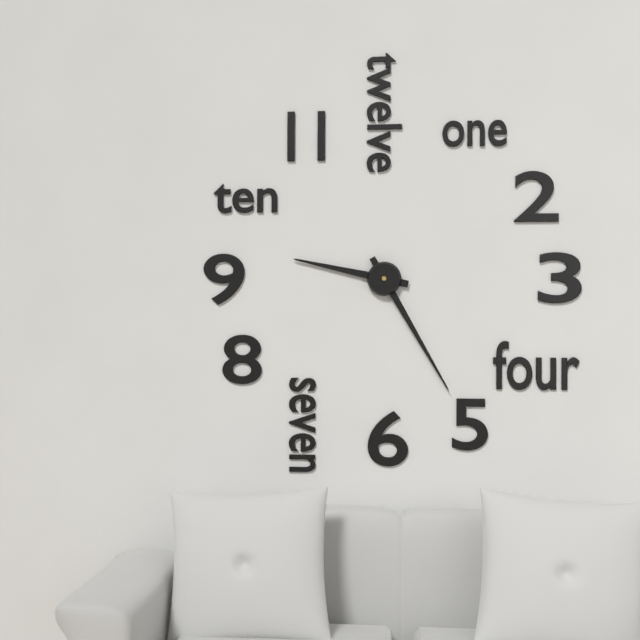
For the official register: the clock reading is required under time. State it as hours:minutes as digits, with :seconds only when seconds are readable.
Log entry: 9:25
